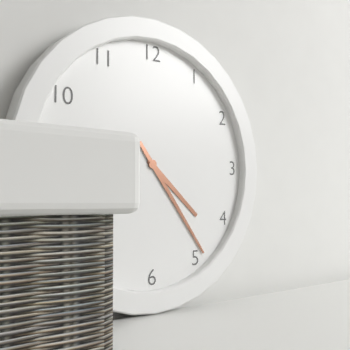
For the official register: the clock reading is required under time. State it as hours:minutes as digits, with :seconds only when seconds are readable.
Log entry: 4:24
